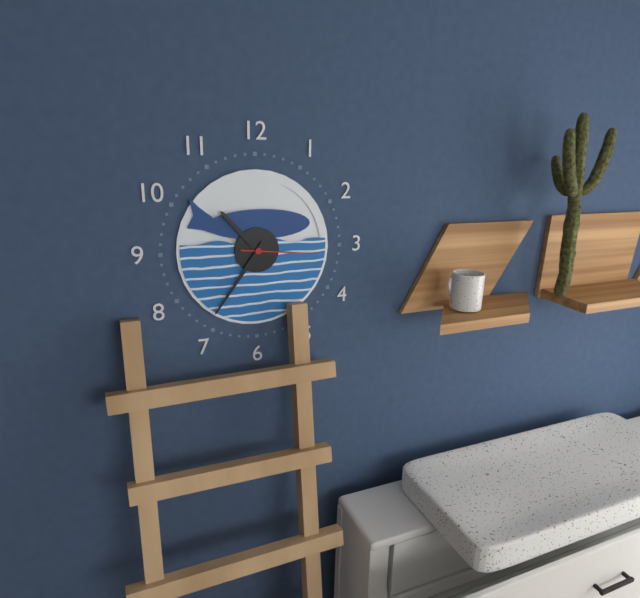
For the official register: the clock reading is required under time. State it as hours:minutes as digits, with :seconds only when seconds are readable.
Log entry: 10:36:16
